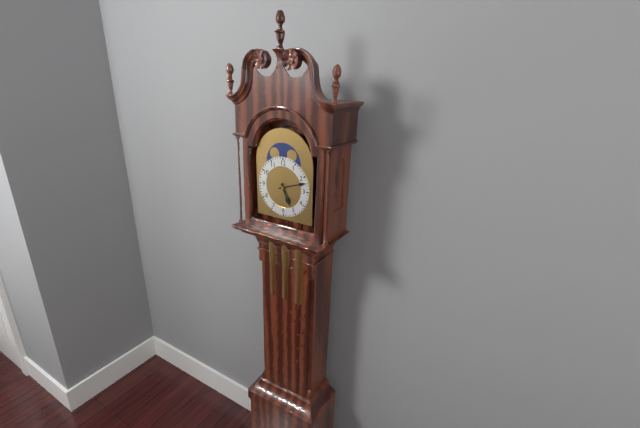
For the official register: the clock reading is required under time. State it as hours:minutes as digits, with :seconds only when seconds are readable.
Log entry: 5:12
